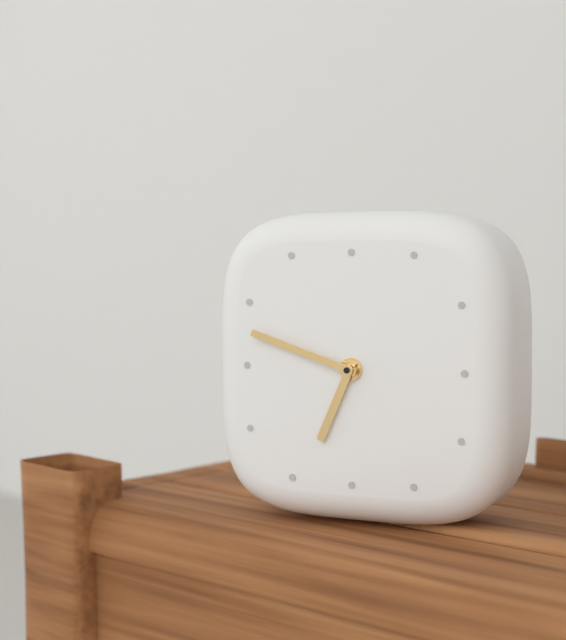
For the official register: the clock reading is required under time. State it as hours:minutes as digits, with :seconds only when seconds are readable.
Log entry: 6:48
